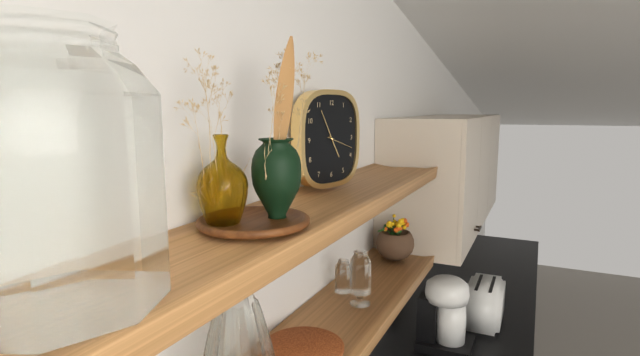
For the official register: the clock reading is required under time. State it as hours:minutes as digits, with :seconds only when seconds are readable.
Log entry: 4:55
